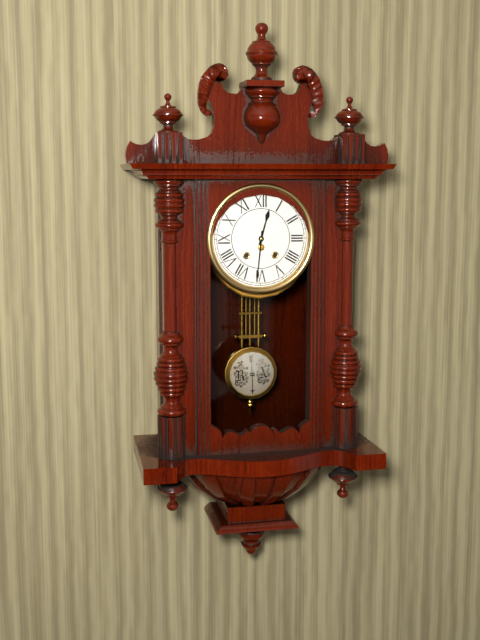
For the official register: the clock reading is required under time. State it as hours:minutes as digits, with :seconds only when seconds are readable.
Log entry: 12:31
